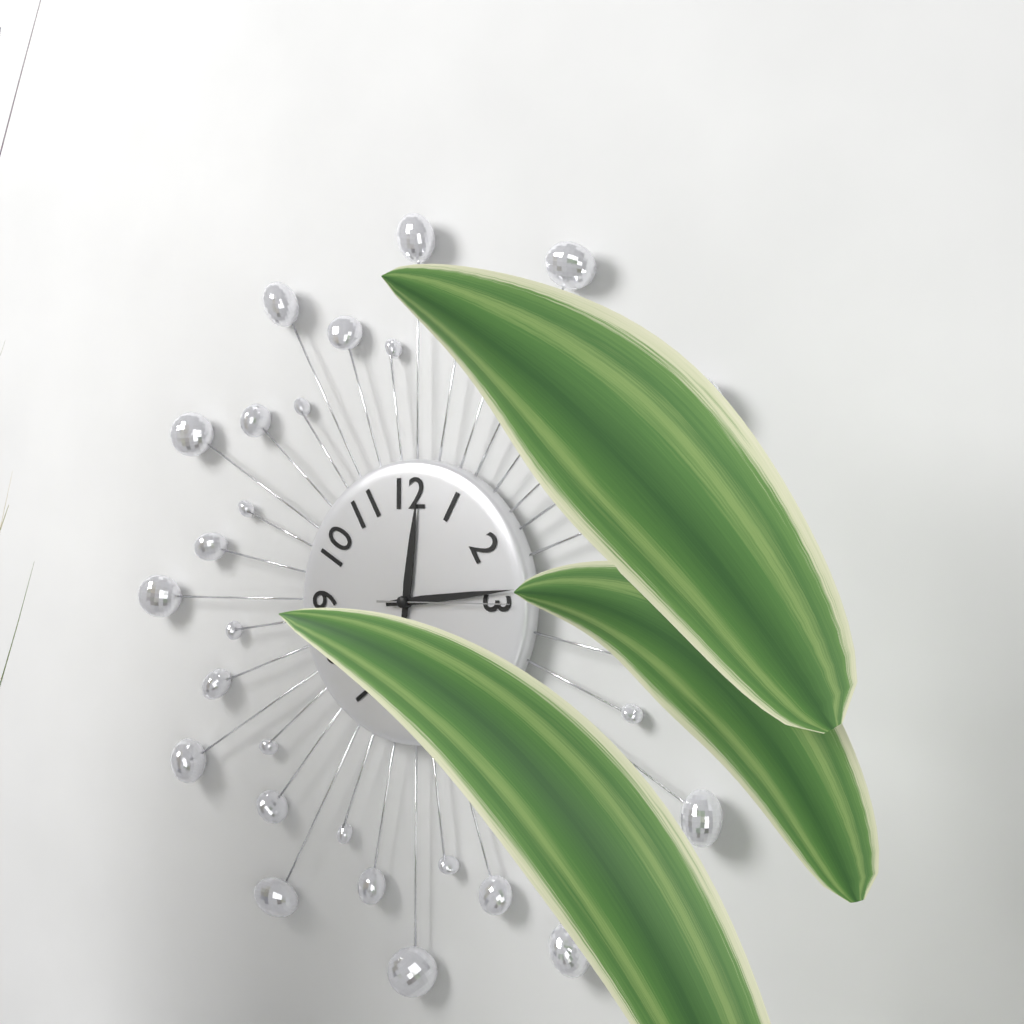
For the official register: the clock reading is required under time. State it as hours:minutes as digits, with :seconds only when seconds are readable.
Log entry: 12:14:15
